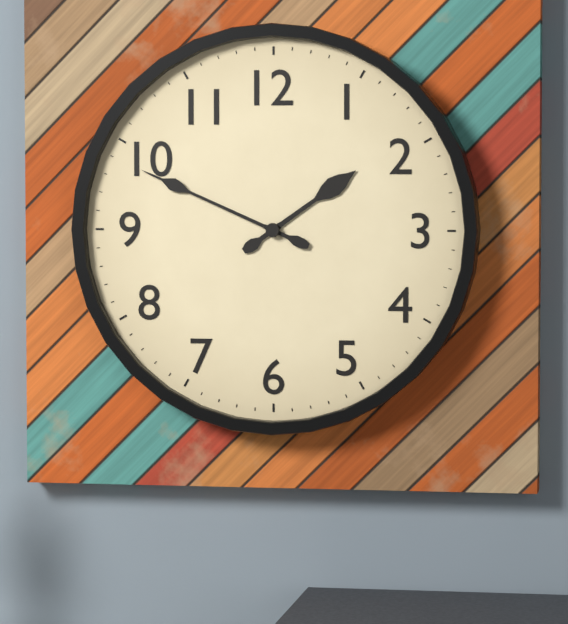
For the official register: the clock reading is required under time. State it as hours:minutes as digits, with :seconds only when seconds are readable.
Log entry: 1:49
